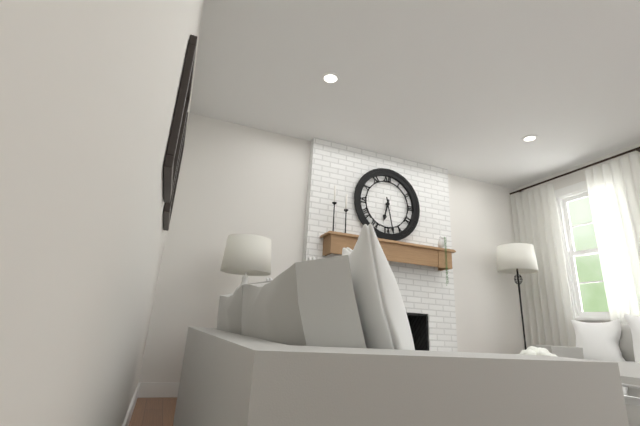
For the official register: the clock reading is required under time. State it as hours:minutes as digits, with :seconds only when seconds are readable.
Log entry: 6:28
